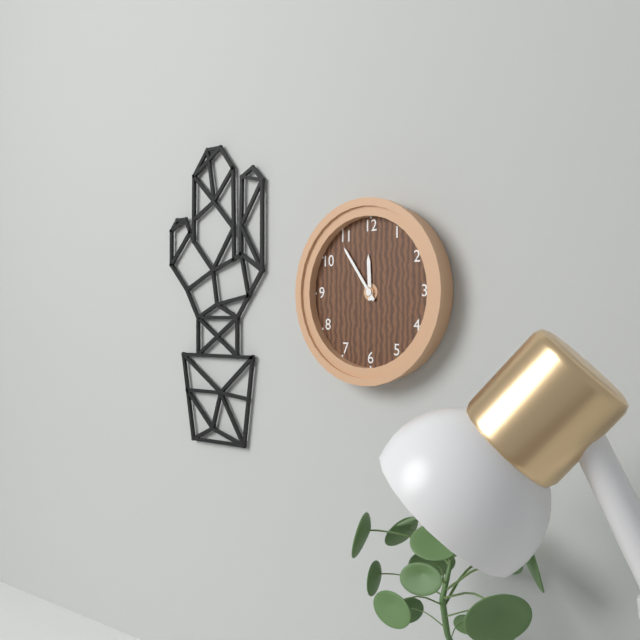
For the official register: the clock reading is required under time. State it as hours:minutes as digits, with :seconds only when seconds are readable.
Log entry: 11:54
